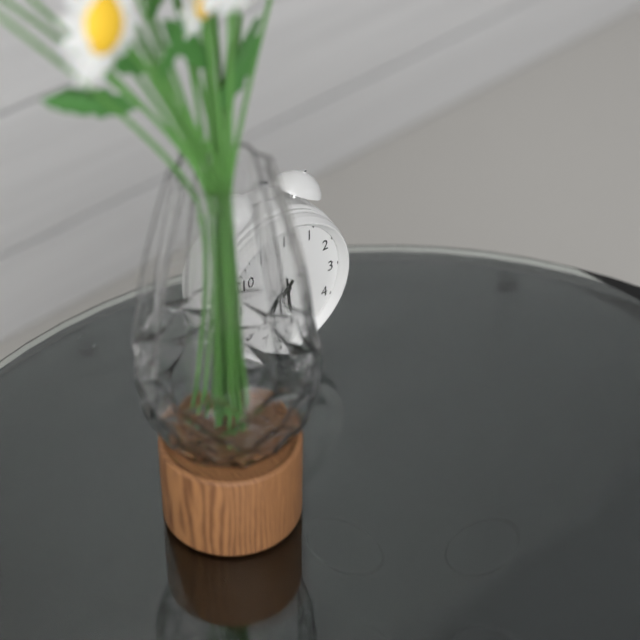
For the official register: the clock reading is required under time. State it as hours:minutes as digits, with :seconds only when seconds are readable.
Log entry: 7:29
